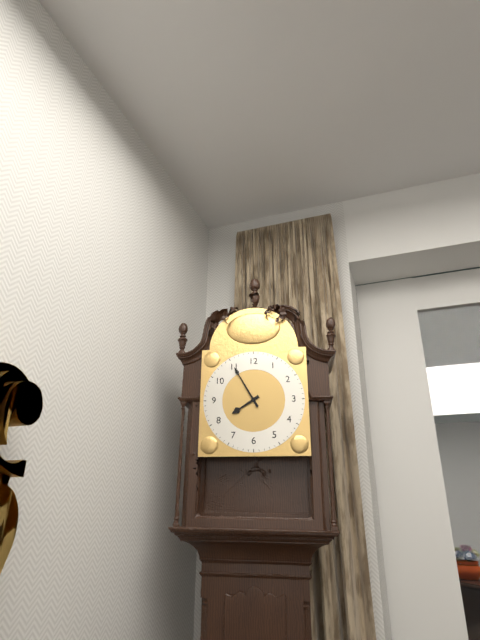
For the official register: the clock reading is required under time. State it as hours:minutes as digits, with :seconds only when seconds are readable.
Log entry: 7:55
